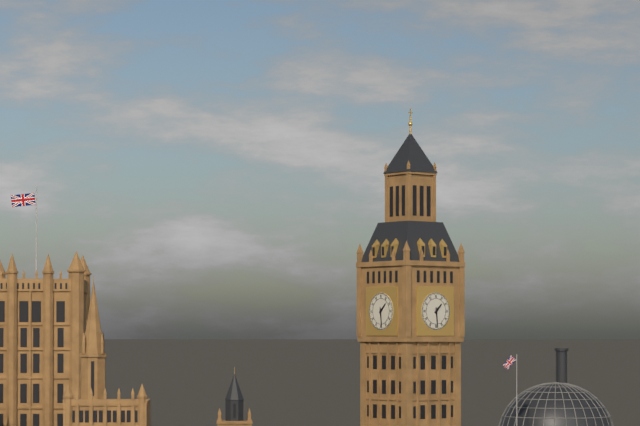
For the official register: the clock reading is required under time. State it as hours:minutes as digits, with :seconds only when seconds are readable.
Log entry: 1:29
